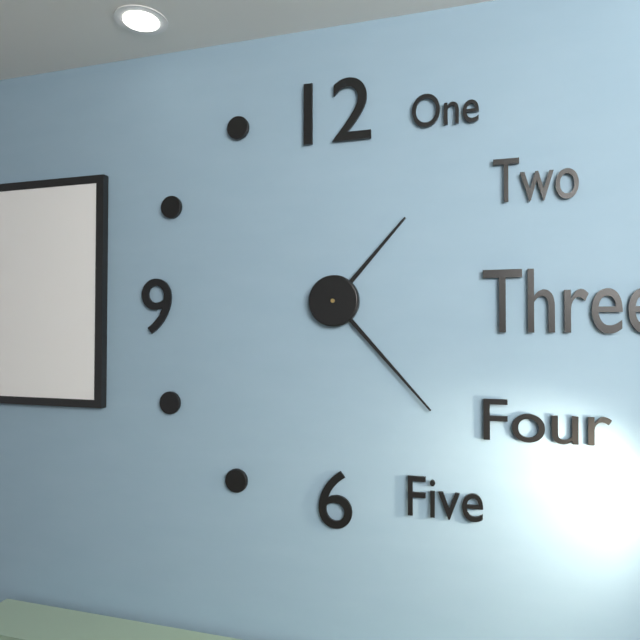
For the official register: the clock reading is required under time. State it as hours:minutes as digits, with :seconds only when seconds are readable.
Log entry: 1:23
